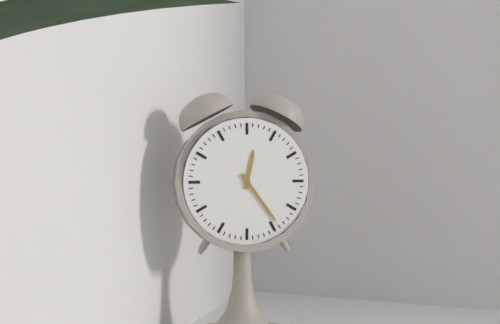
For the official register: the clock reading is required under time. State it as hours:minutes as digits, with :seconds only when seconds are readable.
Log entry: 12:24
